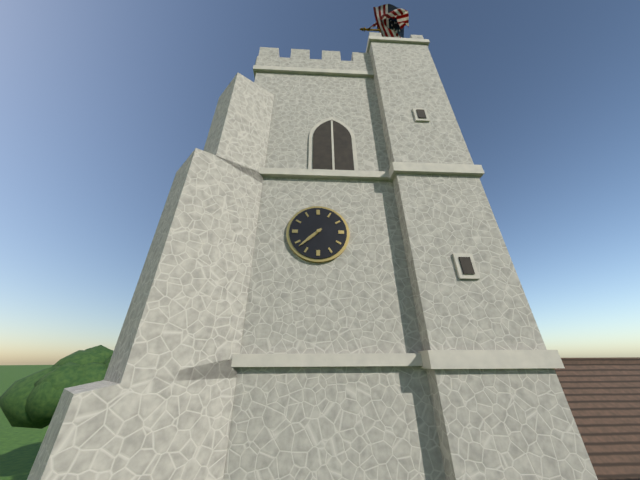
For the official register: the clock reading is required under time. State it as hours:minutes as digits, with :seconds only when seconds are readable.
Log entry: 7:38
